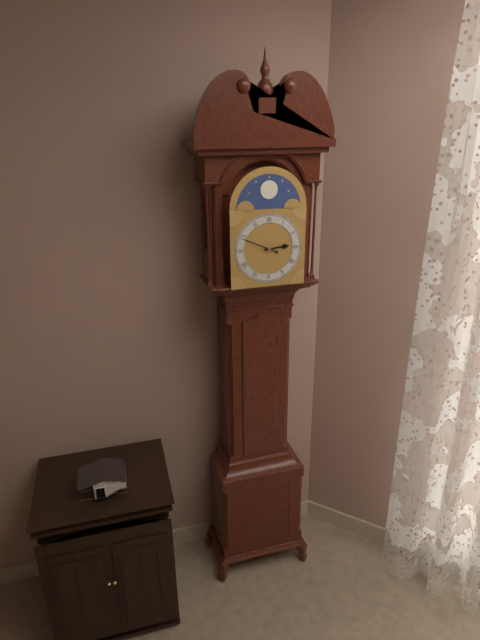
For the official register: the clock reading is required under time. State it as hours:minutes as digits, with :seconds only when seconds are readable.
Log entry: 2:49
